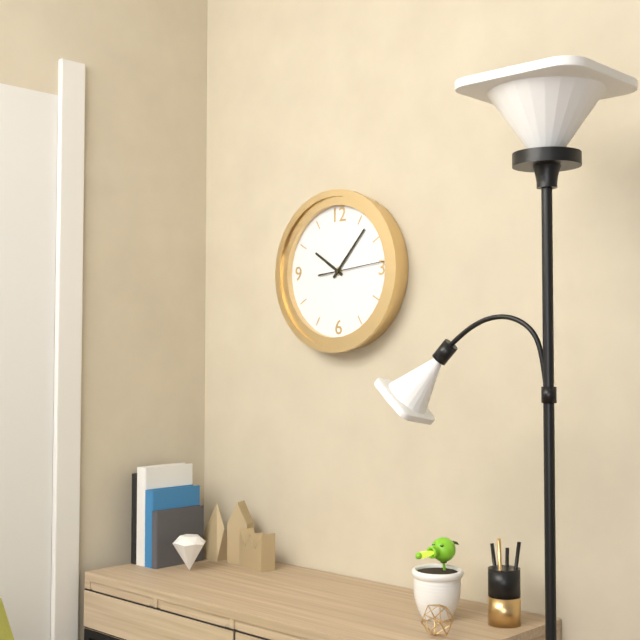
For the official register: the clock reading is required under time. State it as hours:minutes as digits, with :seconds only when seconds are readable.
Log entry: 10:07:14
